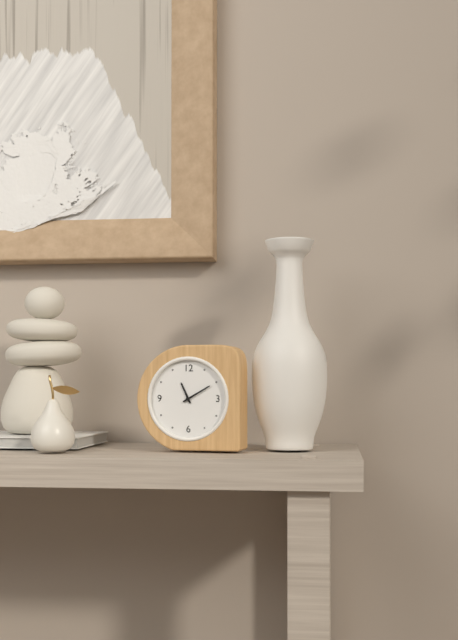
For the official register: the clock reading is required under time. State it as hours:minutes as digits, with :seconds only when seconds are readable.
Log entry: 11:10
